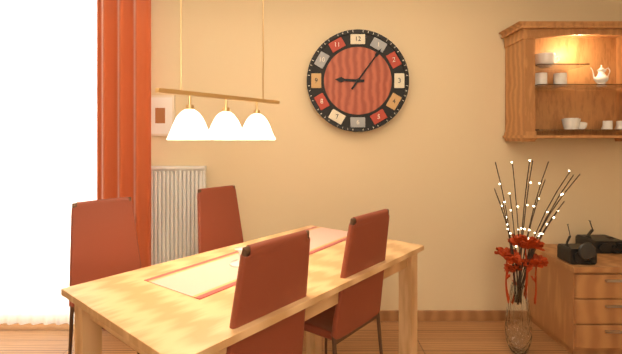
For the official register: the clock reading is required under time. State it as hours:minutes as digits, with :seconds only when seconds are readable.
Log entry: 9:06
